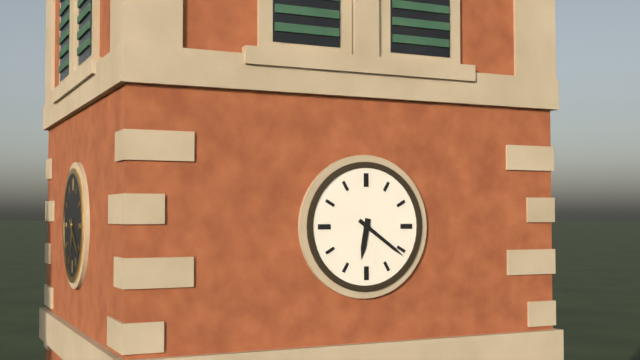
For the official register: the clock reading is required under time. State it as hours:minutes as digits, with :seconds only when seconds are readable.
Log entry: 6:21
